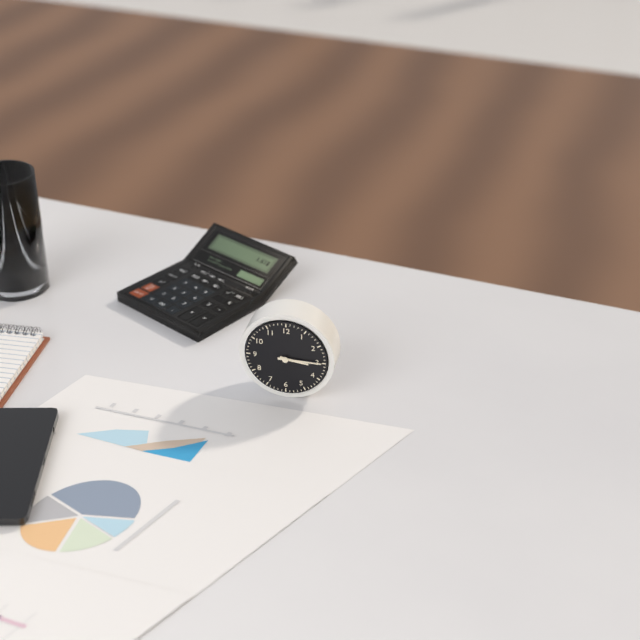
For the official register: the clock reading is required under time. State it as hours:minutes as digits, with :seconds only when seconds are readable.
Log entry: 3:15
